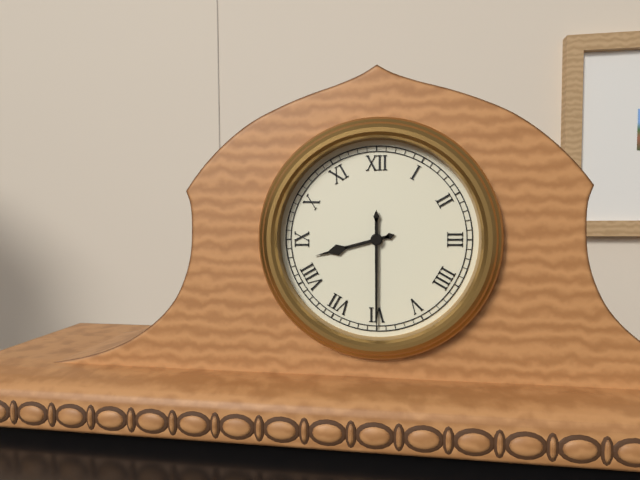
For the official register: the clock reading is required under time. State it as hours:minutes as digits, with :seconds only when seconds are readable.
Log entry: 8:30
